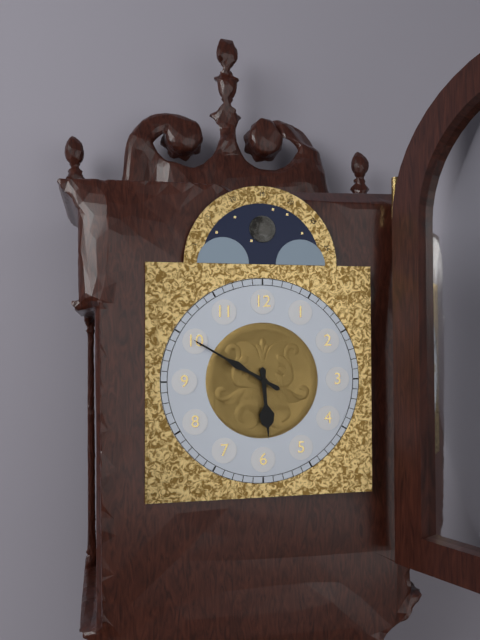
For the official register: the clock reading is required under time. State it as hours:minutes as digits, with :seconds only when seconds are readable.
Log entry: 5:50
